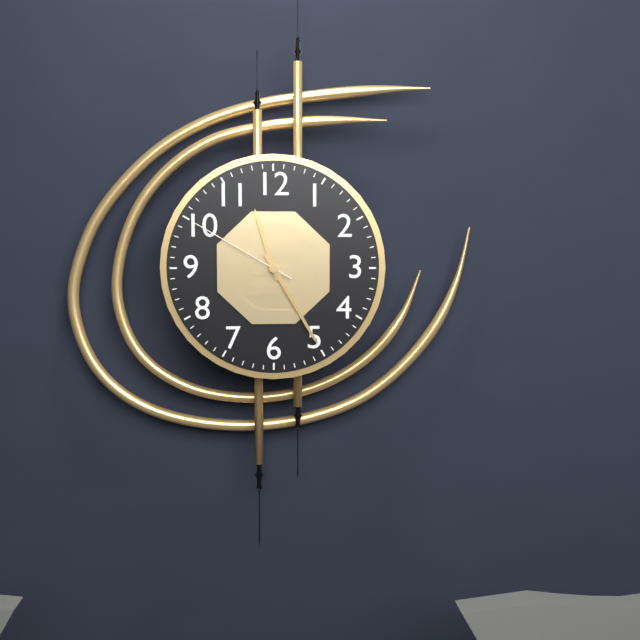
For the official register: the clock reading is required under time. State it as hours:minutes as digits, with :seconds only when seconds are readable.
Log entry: 11:25:50
